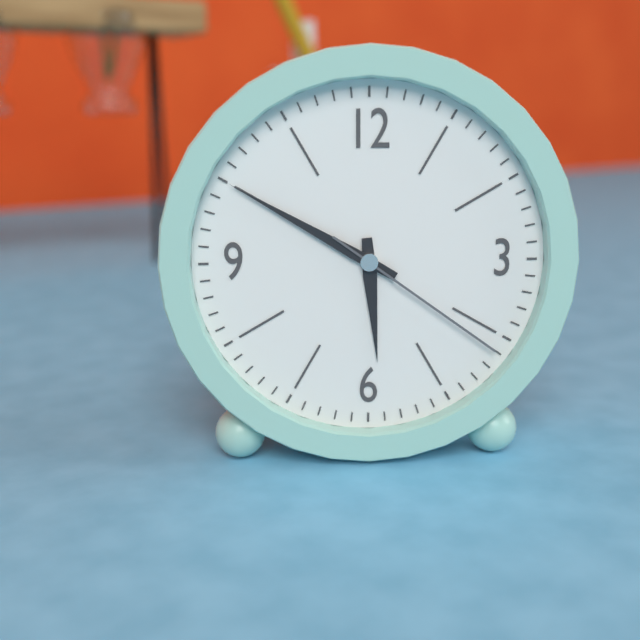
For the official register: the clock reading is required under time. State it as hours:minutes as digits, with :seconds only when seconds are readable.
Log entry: 5:50:21
